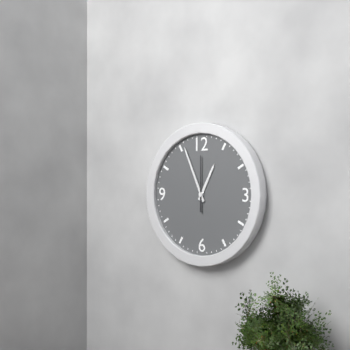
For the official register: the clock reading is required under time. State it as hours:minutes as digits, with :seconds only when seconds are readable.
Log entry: 12:56
